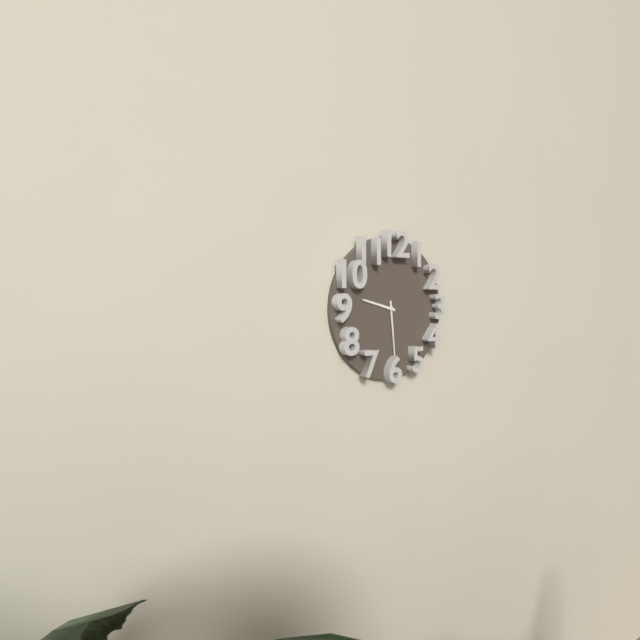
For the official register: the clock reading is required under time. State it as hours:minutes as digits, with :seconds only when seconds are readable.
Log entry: 9:29
